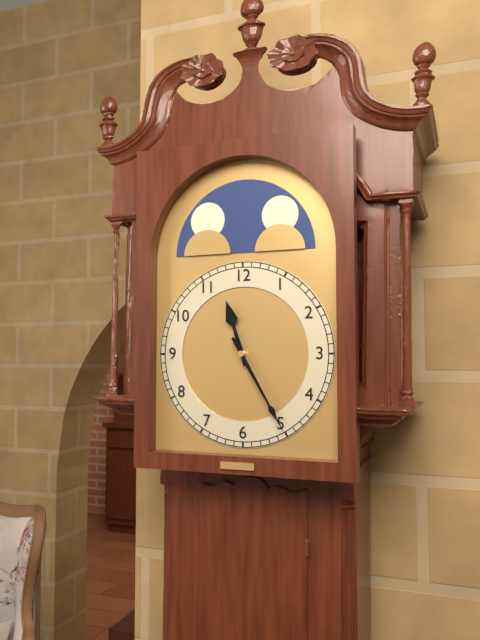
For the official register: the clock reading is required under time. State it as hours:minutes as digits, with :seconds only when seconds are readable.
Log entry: 11:25
